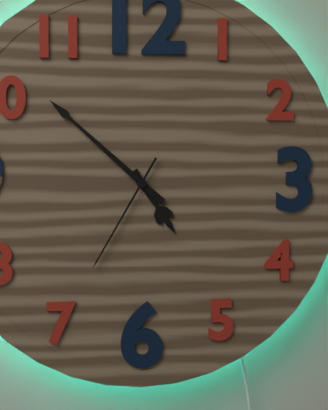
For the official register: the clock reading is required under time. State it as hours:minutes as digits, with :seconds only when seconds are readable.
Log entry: 4:52:35
